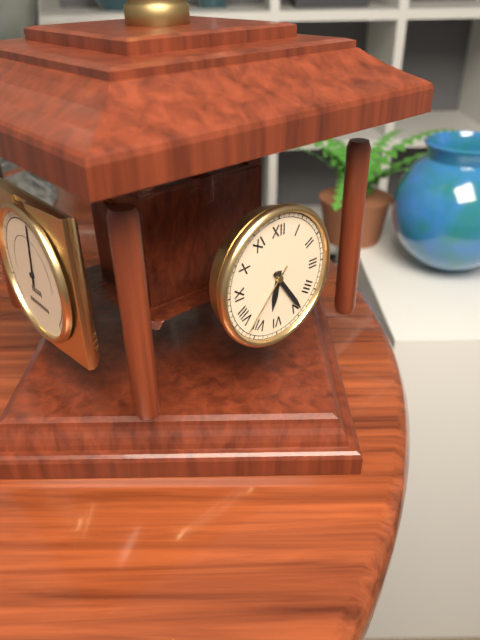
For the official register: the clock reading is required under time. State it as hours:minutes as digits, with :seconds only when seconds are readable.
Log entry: 6:24:37
